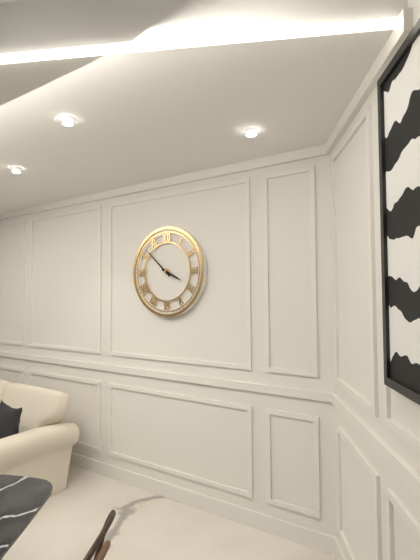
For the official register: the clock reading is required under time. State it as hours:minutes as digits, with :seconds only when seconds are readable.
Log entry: 3:52
